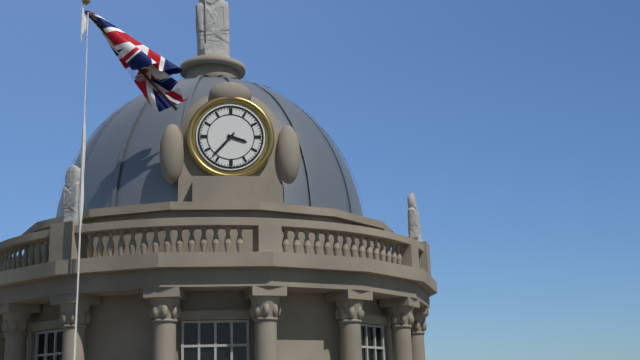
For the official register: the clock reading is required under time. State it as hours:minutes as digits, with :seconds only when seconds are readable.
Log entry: 3:37
